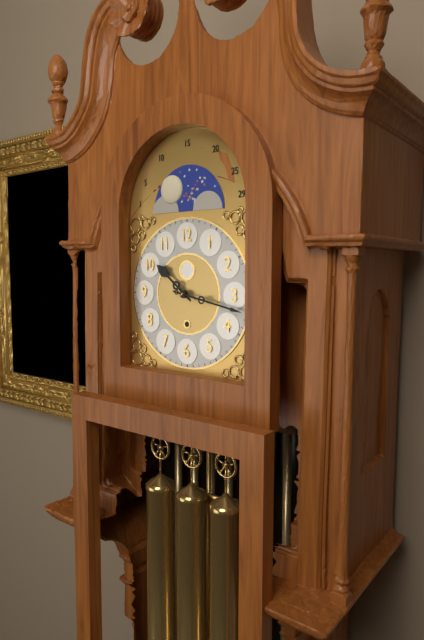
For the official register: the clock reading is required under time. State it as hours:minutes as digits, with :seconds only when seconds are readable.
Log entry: 10:17
